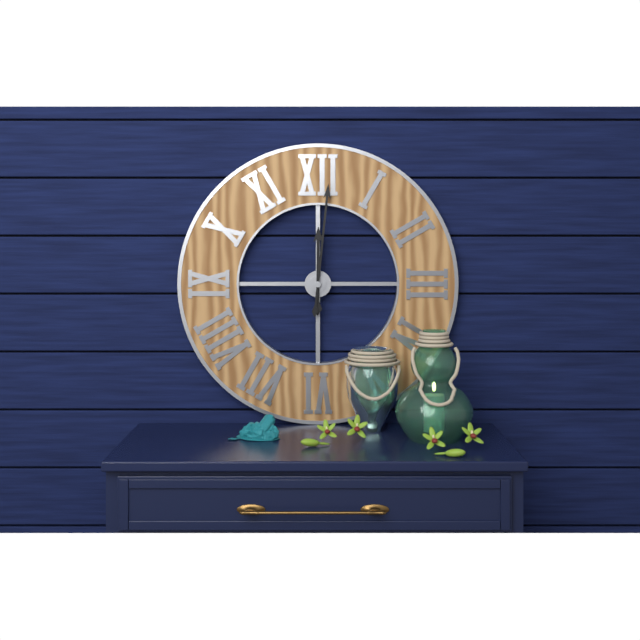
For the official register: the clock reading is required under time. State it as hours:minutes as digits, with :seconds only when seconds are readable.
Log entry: 12:01
